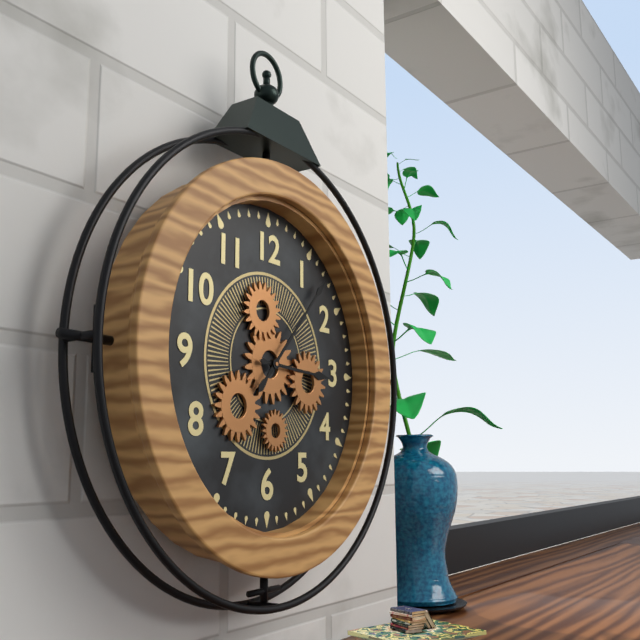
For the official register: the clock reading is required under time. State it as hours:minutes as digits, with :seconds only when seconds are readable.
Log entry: 3:07
